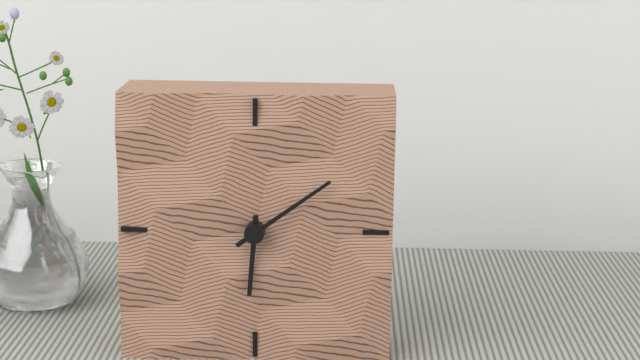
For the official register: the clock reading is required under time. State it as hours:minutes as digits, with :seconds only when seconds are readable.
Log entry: 6:09
